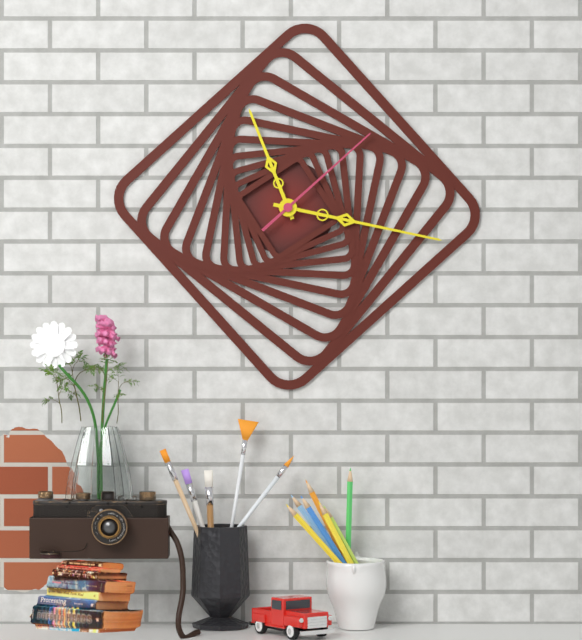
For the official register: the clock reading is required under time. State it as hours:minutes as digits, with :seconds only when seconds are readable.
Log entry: 11:17:08
